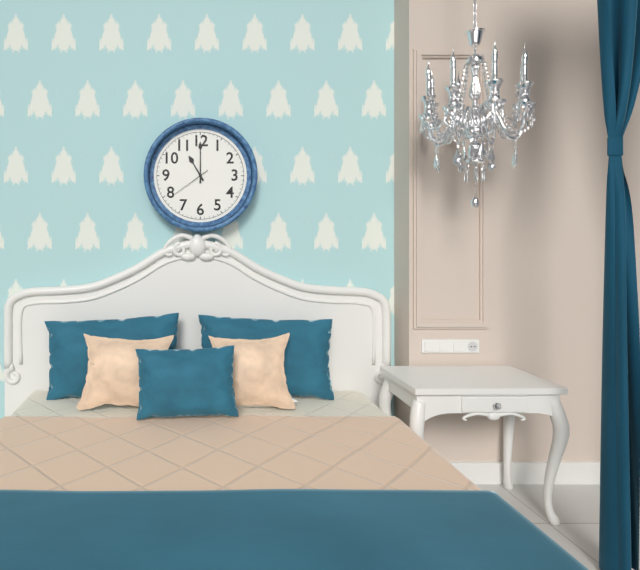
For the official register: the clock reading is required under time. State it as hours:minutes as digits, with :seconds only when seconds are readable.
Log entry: 11:00
